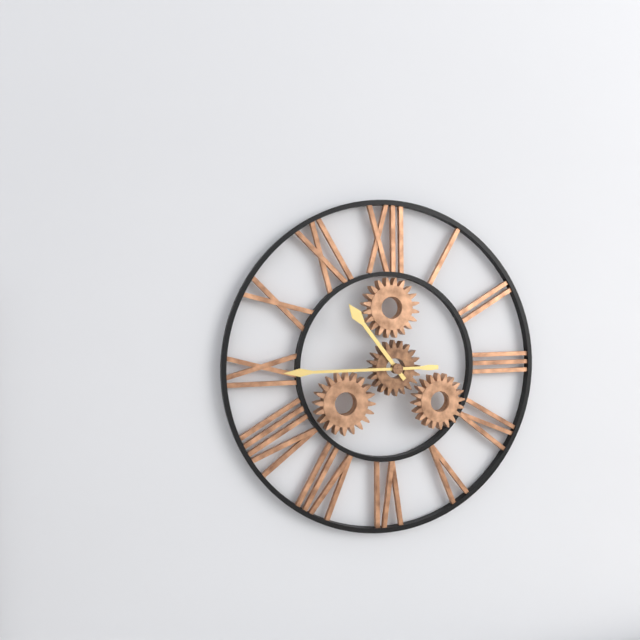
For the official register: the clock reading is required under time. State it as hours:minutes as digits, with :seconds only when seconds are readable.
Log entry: 10:45
